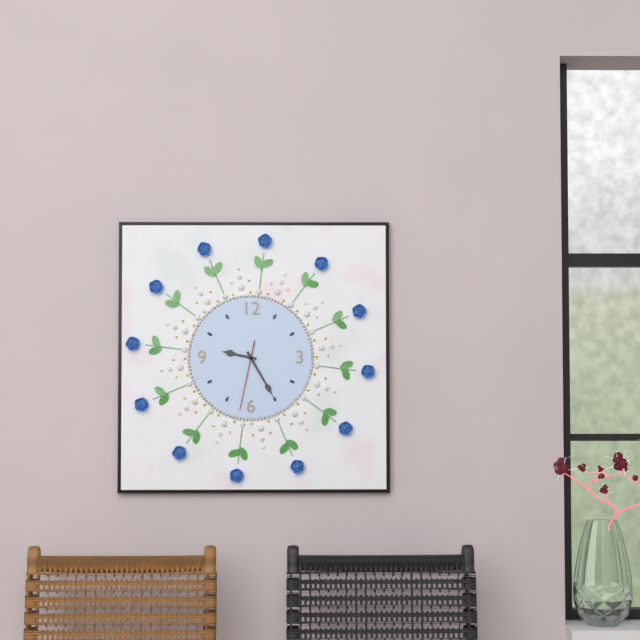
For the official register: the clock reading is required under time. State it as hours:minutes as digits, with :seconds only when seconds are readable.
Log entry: 9:25:32
